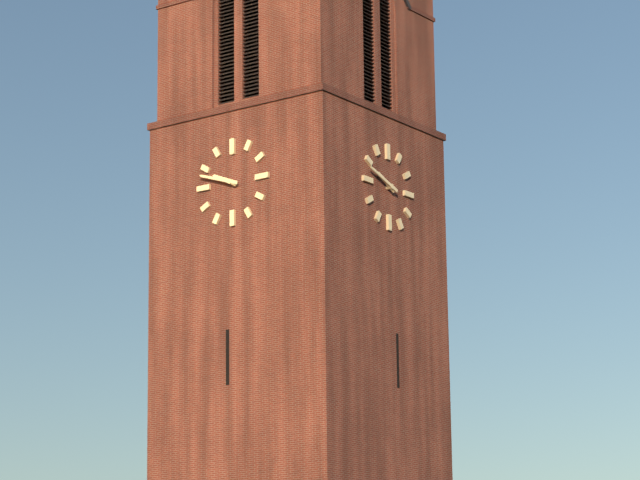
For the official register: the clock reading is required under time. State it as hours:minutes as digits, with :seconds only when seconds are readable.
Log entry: 9:48
